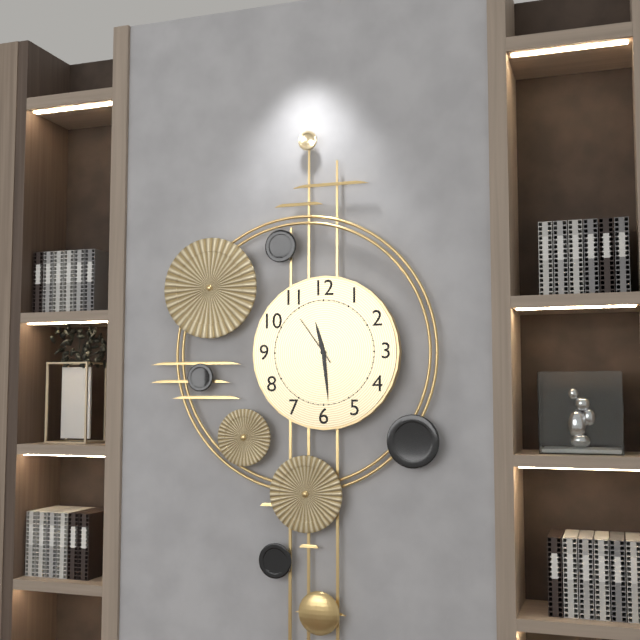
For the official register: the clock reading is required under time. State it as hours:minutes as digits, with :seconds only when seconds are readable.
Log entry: 11:29:54
